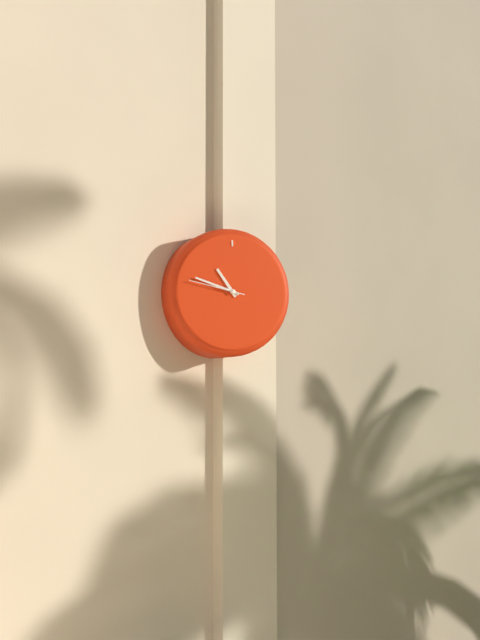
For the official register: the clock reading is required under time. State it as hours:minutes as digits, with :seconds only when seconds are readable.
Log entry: 10:48:47
